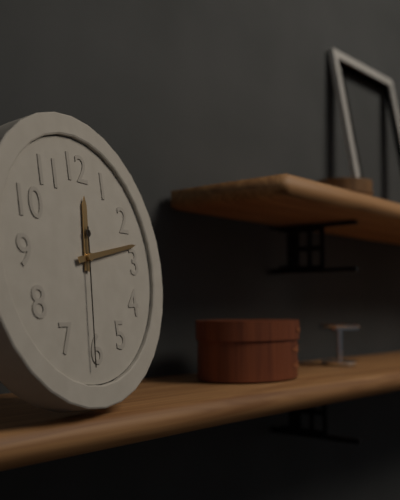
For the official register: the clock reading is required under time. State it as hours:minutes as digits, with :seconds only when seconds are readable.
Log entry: 12:13:31
